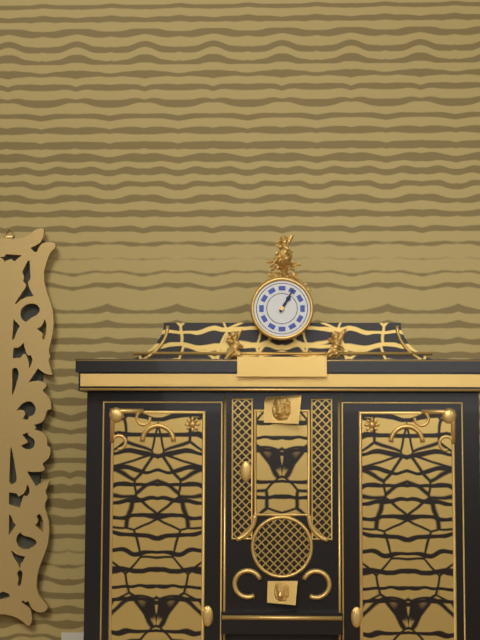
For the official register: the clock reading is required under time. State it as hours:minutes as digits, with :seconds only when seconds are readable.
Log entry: 1:05
